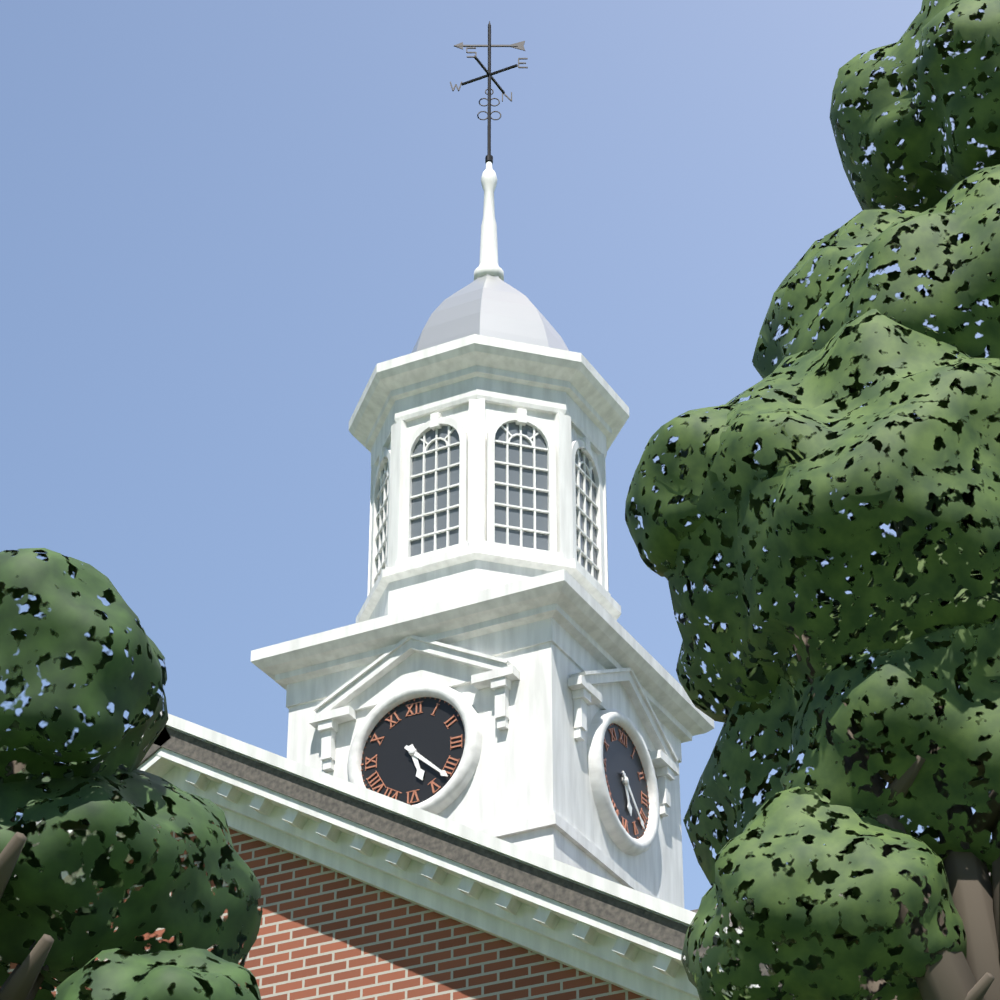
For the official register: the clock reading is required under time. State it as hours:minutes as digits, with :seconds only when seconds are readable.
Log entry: 5:22
